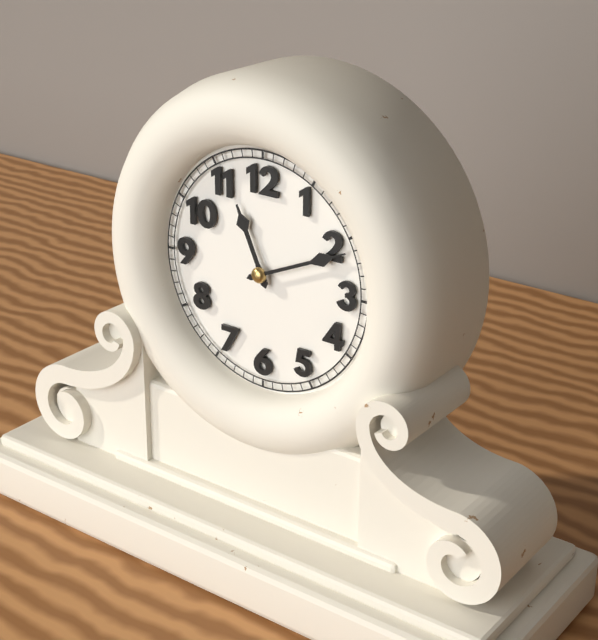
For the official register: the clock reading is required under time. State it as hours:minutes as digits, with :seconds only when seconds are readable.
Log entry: 11:11
